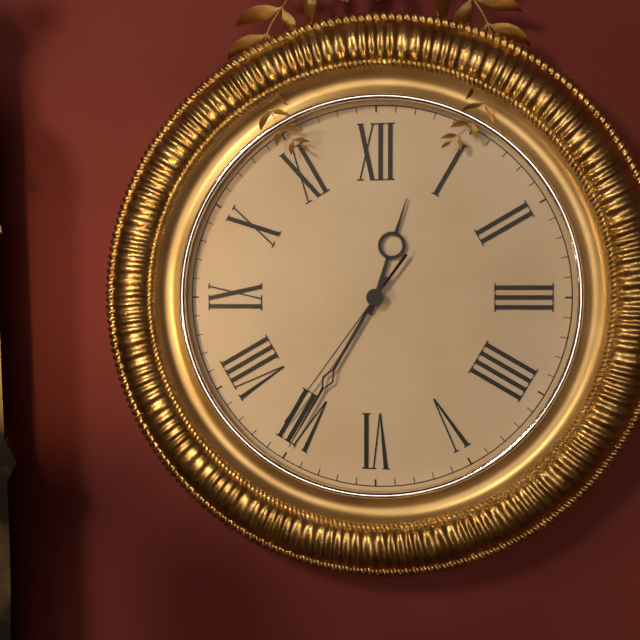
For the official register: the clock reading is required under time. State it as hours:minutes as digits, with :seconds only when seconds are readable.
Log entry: 12:35:36
